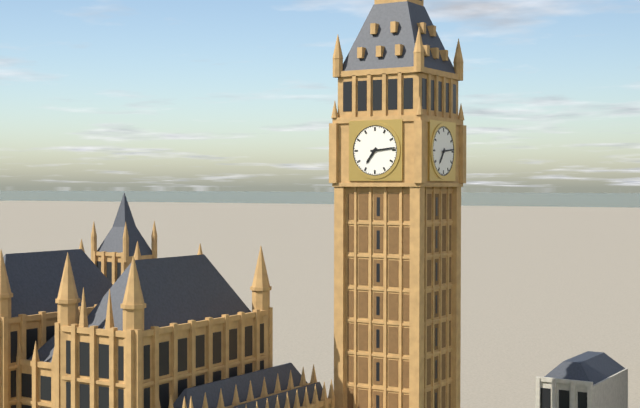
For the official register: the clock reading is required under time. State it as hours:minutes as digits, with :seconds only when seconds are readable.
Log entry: 7:14
